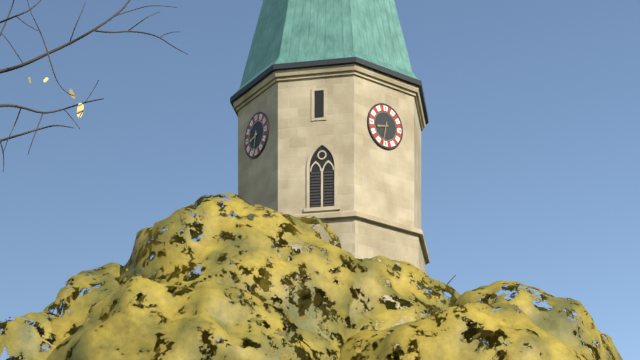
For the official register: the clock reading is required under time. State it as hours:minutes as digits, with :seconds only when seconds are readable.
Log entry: 8:32
